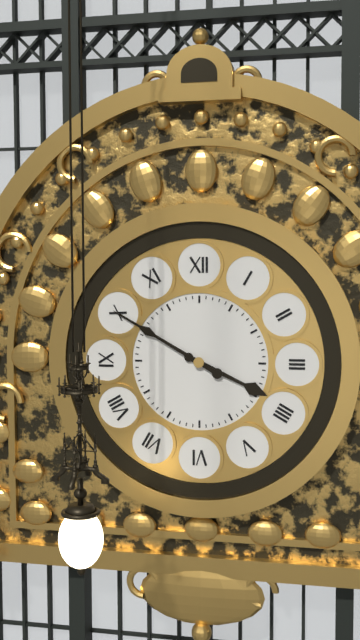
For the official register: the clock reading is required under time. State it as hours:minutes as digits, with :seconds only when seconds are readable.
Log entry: 3:50
